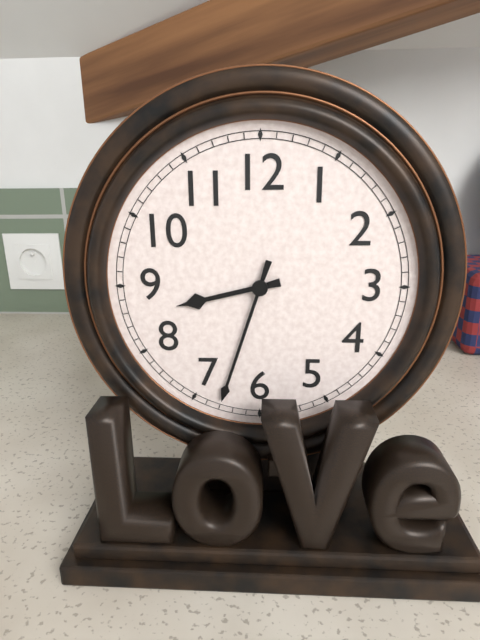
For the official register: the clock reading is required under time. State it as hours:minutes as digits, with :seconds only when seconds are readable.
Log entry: 8:33
